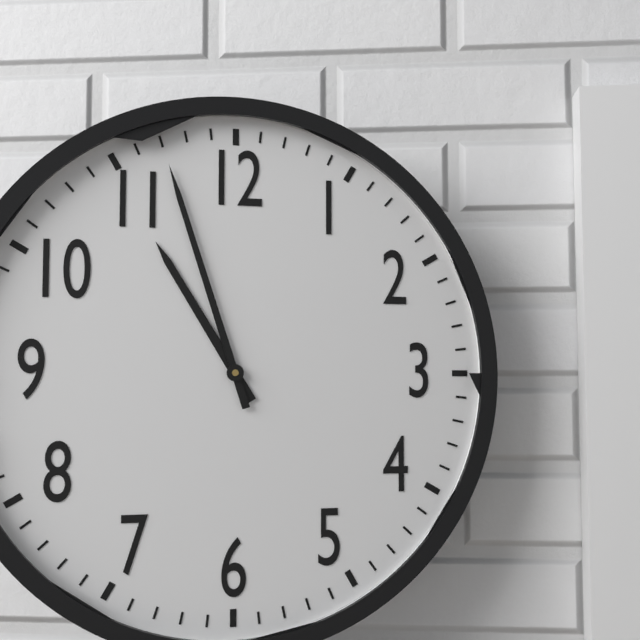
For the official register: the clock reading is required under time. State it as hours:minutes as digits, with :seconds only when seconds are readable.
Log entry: 10:57
